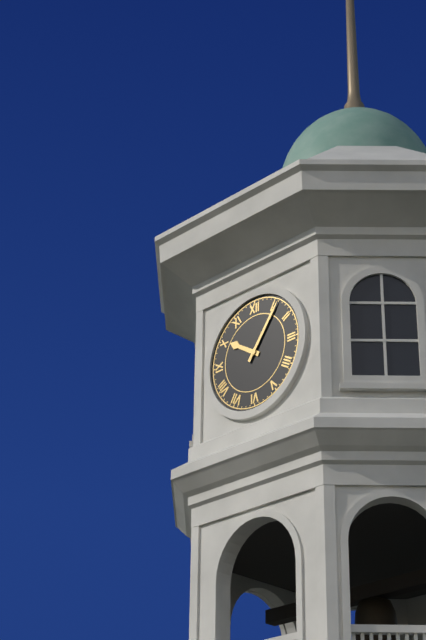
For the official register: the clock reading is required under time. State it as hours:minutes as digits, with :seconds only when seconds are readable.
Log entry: 10:06
